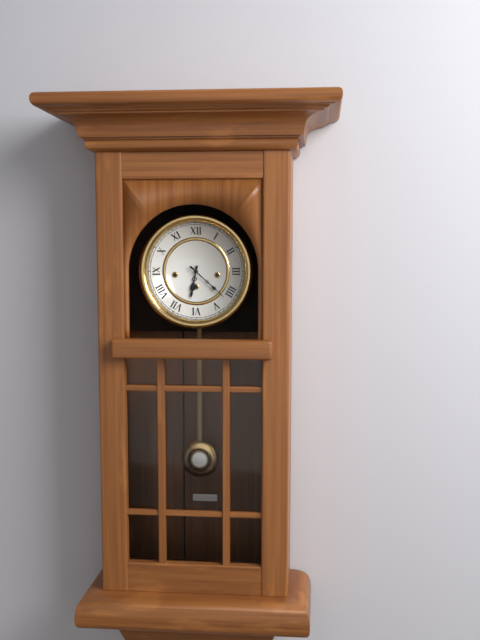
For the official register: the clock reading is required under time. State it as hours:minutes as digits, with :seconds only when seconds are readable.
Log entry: 6:22
